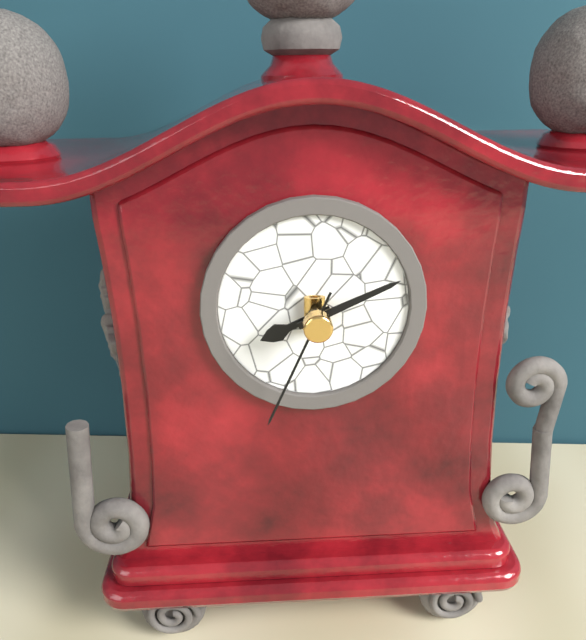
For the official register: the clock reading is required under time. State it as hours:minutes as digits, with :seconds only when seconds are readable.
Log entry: 8:11:34
